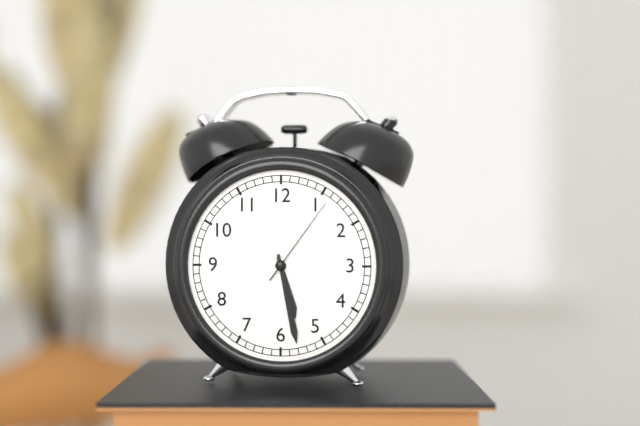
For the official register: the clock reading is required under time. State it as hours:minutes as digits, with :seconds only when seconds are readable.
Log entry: 5:28:06
